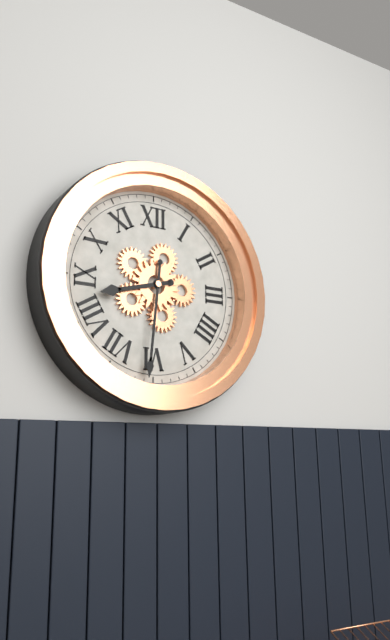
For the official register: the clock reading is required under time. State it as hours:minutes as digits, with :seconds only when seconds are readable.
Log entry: 8:31
